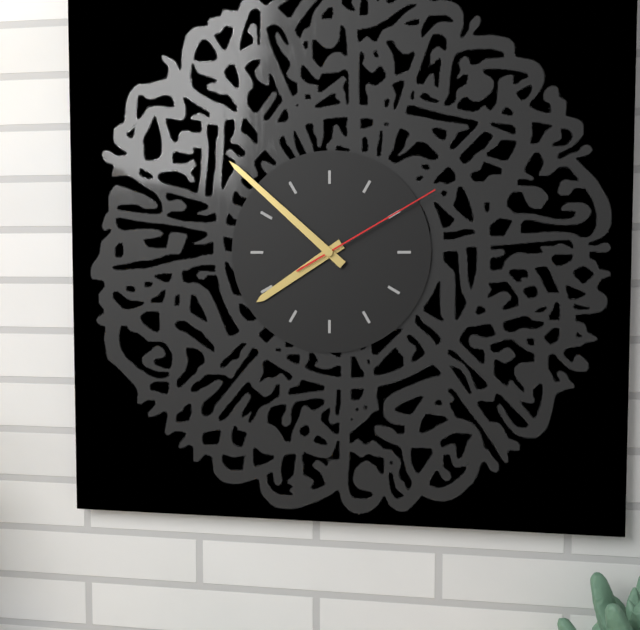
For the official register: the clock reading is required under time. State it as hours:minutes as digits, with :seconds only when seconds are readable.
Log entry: 7:52:10
